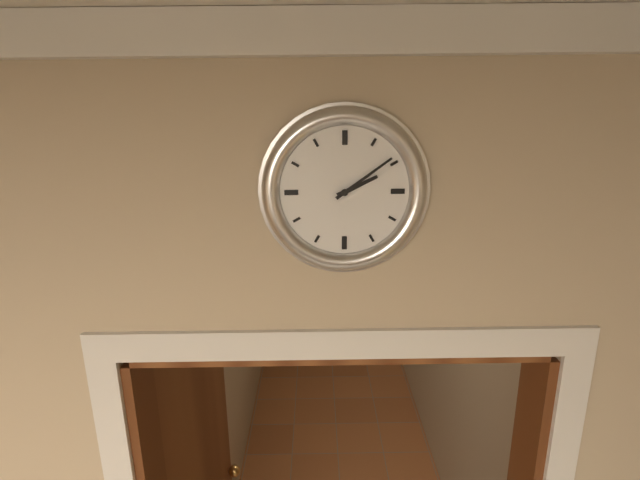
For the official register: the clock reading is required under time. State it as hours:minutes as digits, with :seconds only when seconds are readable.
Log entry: 2:09
